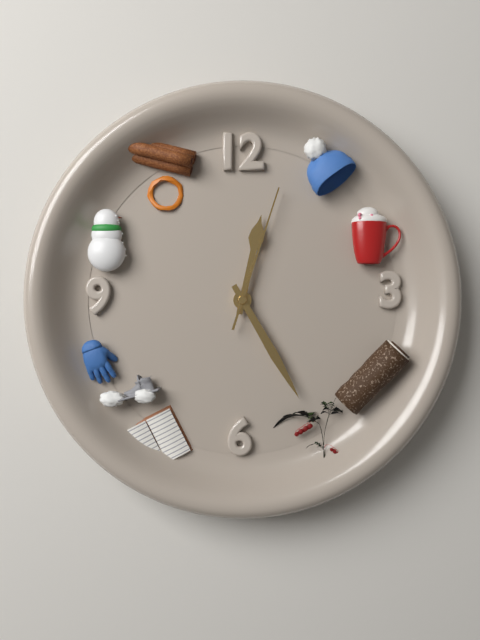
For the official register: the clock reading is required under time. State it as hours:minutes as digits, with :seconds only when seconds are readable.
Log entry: 12:25:03
